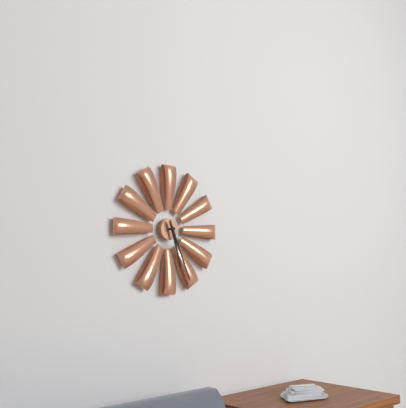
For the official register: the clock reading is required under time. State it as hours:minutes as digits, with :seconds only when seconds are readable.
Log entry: 5:26
